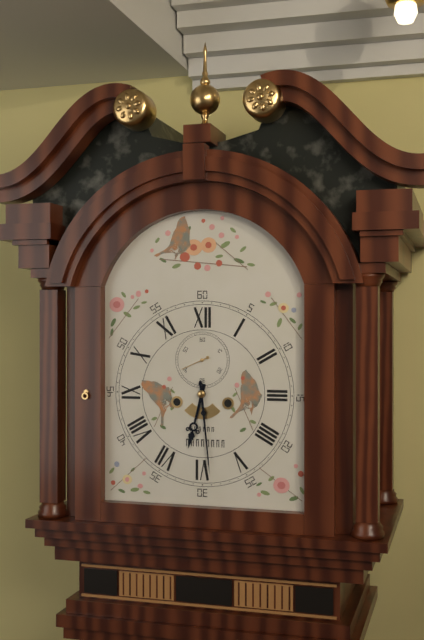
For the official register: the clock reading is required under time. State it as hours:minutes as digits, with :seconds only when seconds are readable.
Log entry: 6:29
